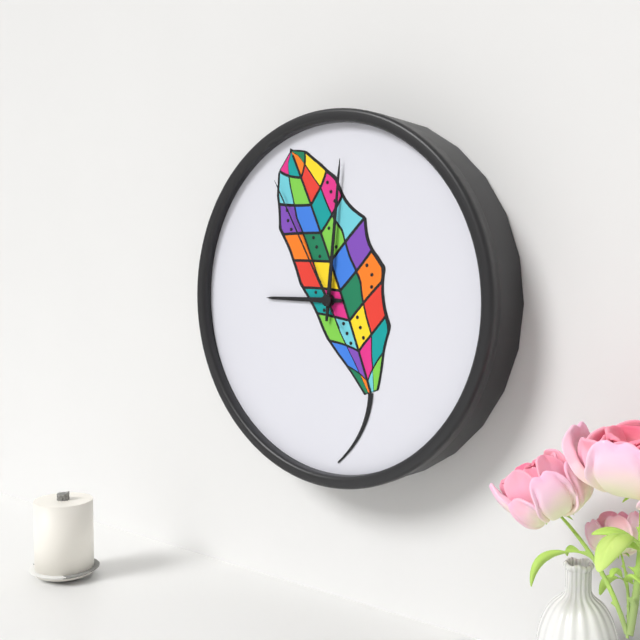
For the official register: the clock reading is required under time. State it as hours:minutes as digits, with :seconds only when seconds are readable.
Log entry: 9:01:55
